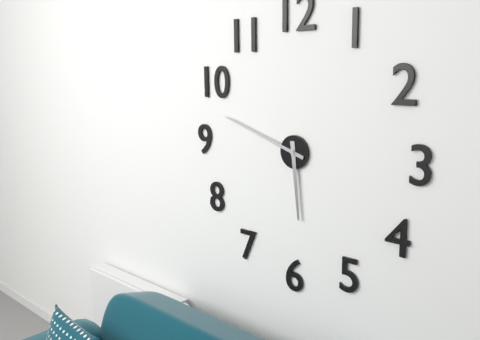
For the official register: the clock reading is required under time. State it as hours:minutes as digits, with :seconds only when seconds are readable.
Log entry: 5:48
